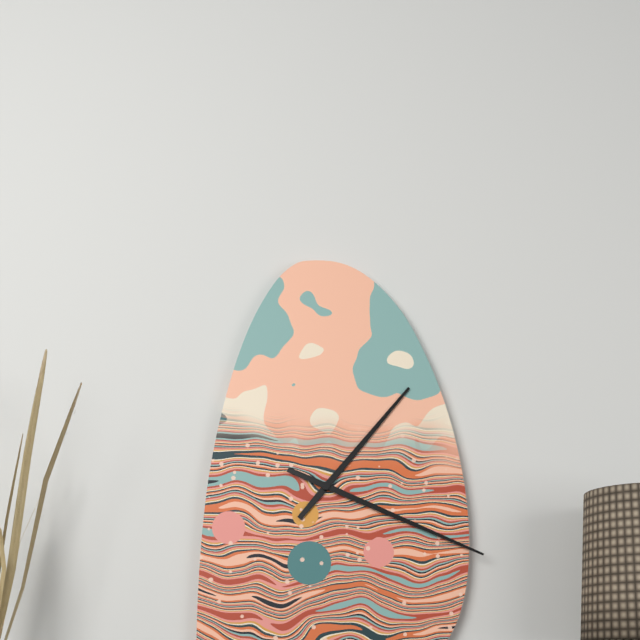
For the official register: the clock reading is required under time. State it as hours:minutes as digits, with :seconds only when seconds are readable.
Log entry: 1:19
